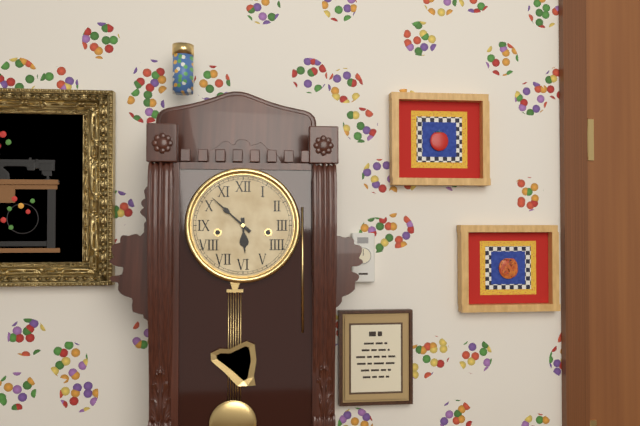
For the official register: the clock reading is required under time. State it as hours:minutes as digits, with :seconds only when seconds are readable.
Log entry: 5:52
